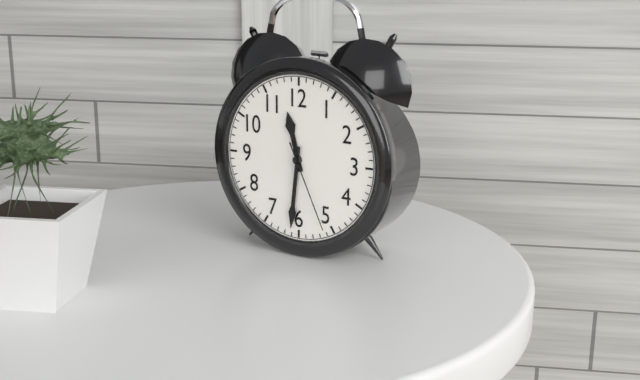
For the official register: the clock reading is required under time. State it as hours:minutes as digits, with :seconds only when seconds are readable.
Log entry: 11:31:26
